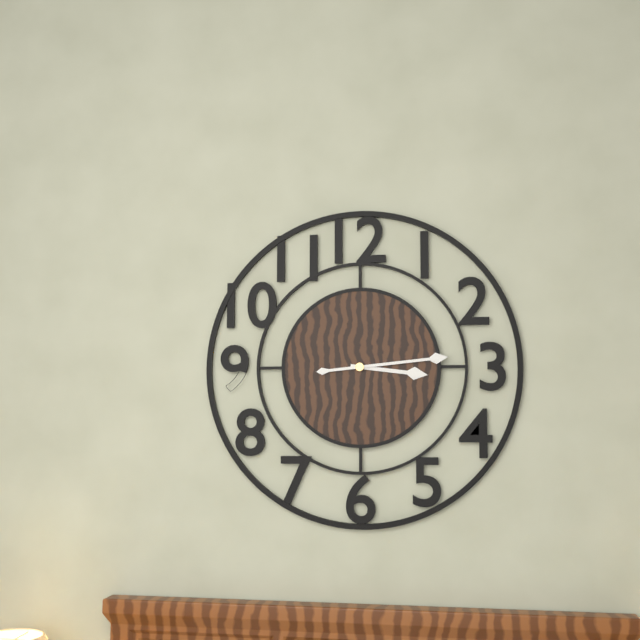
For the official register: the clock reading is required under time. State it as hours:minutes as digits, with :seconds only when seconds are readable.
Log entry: 3:14
